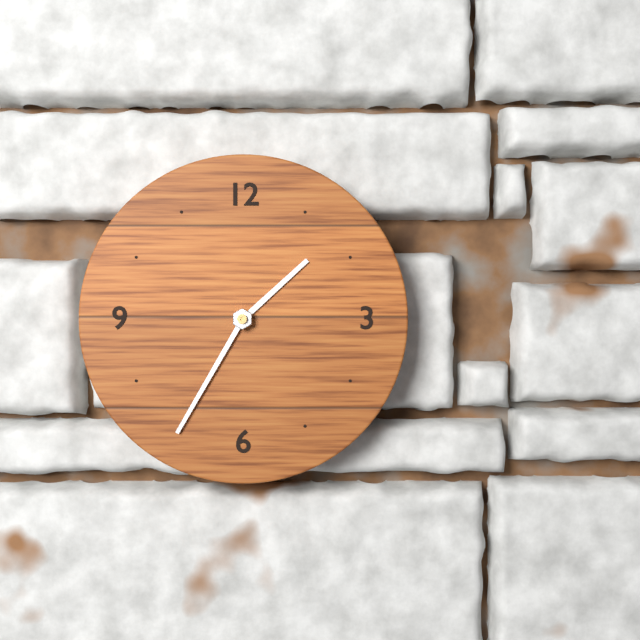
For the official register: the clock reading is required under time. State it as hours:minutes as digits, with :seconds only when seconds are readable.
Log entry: 1:35
